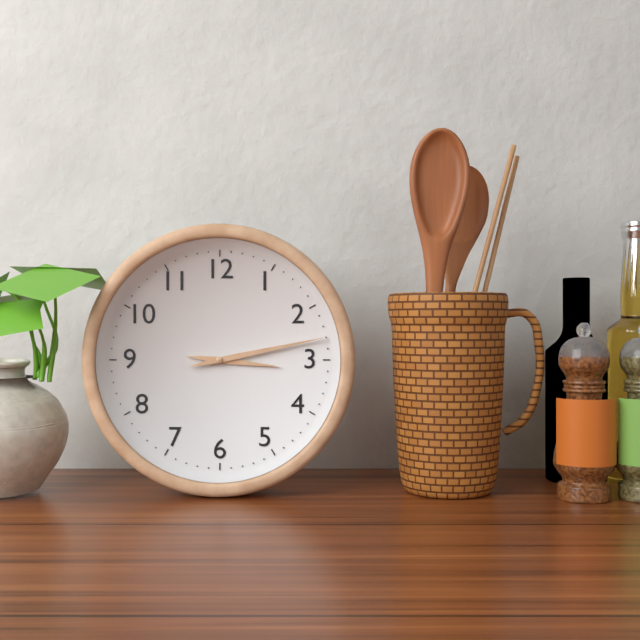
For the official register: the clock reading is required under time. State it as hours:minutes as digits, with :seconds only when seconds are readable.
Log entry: 3:13
